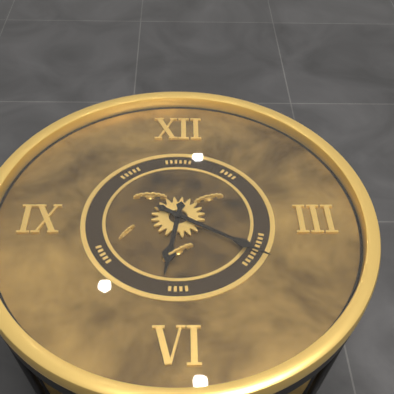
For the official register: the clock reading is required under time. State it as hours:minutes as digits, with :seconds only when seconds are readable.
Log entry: 6:20
